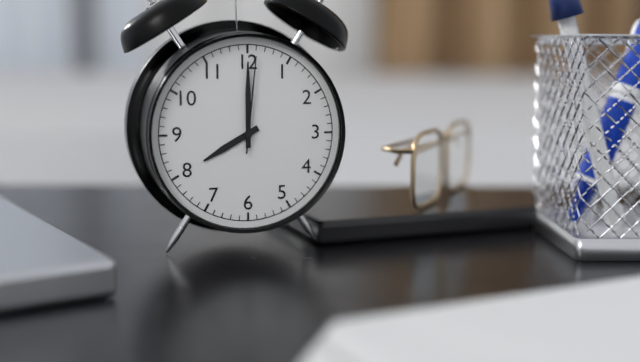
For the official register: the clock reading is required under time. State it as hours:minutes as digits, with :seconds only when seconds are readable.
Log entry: 8:00:01
